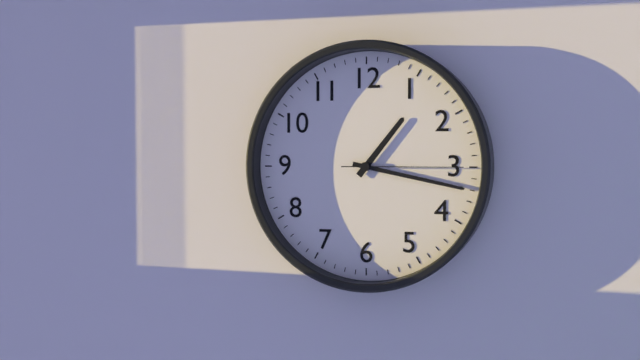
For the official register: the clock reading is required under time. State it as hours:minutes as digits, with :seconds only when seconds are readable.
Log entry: 1:17:15
